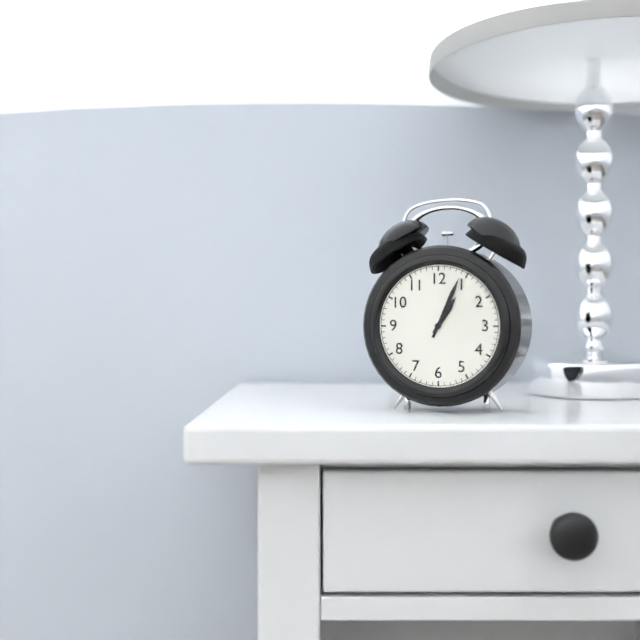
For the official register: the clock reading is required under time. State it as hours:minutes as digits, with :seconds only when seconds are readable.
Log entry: 1:04
